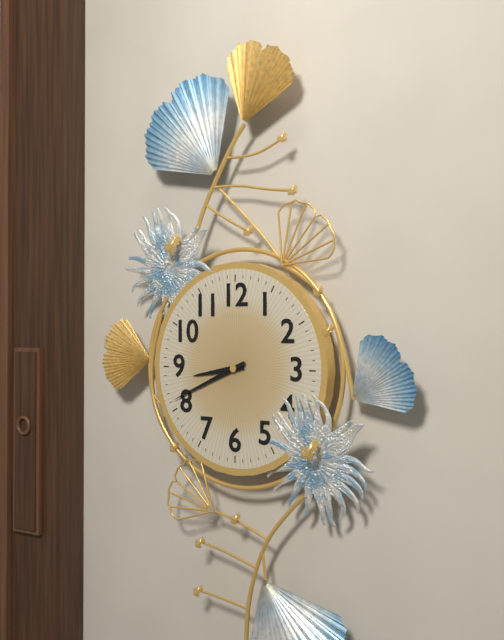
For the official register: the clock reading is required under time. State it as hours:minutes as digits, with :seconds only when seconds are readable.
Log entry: 8:41
